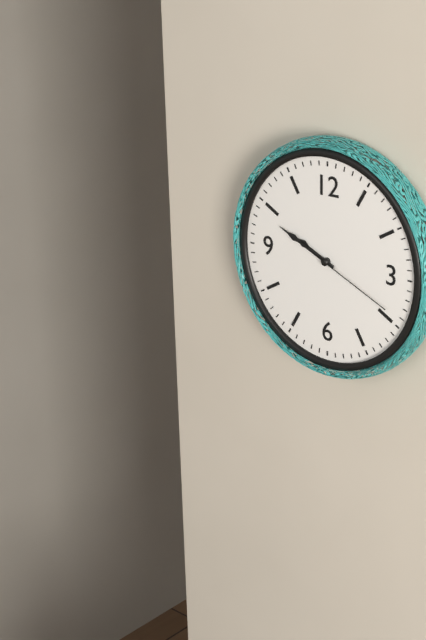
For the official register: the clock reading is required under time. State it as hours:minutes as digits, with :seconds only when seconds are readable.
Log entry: 9:49:19
